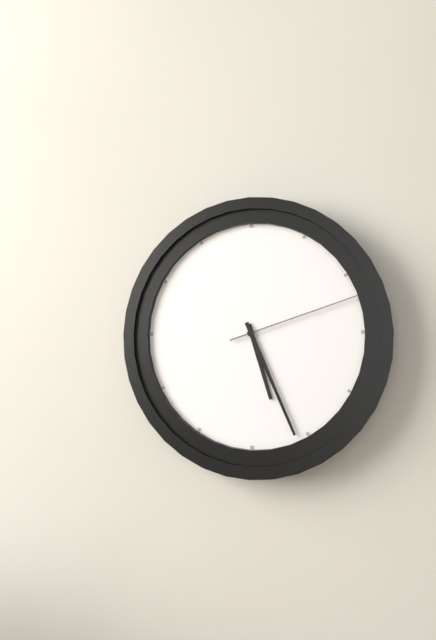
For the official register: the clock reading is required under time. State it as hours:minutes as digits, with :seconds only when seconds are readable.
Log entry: 5:26:12
